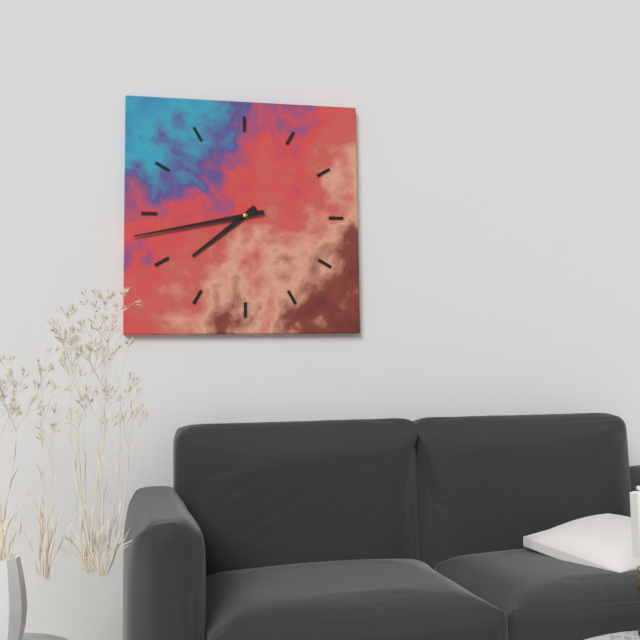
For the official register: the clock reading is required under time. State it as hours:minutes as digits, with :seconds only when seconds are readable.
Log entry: 7:43
